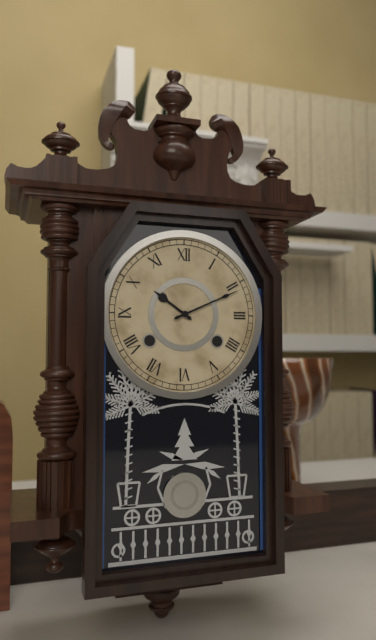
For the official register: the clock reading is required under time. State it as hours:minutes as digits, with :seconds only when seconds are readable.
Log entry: 10:11
